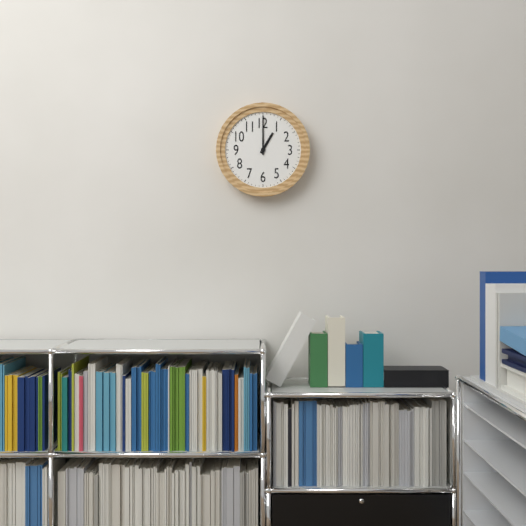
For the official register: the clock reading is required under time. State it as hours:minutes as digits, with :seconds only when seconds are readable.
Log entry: 1:00
